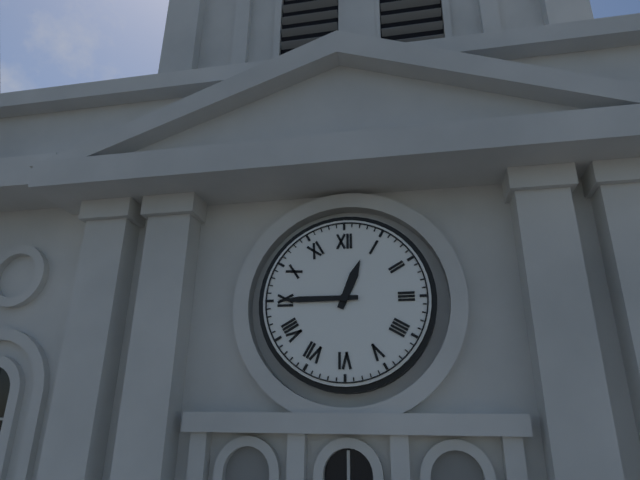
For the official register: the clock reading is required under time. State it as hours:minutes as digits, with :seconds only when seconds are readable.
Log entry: 12:45
